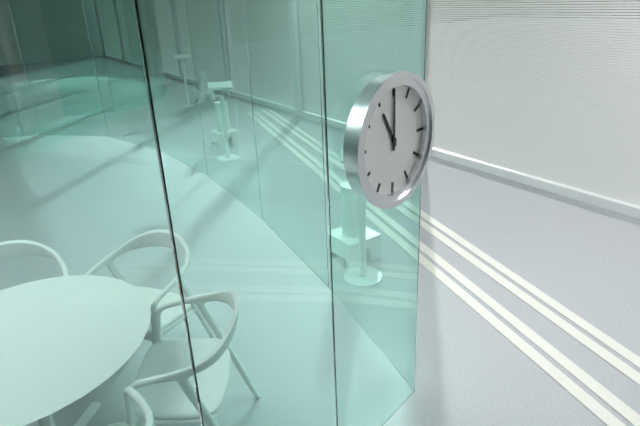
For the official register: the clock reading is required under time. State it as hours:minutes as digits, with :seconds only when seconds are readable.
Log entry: 11:00
